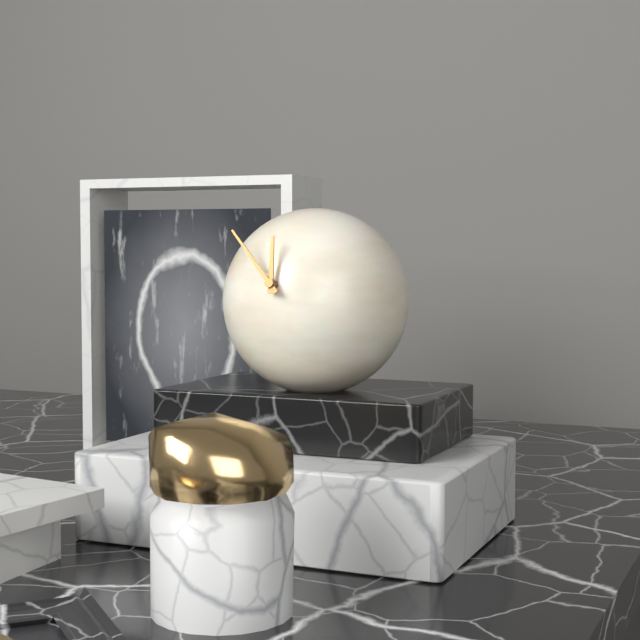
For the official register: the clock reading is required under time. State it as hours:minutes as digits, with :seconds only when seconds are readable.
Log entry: 11:53
